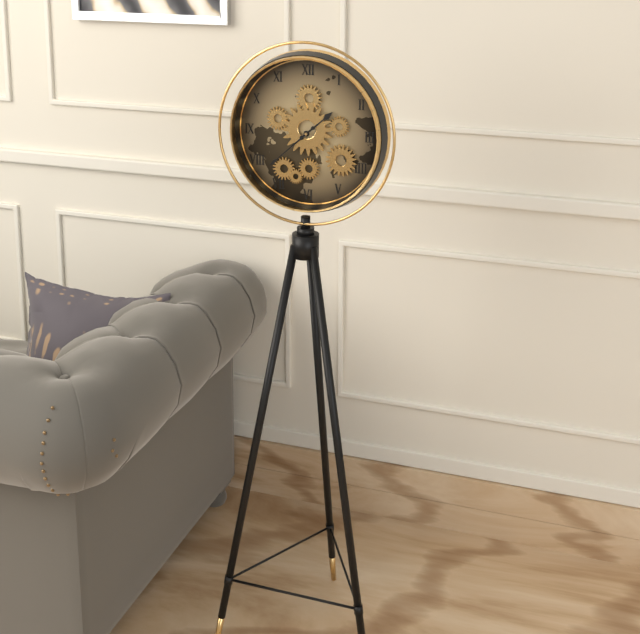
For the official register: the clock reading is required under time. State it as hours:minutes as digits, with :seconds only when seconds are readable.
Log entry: 1:38
